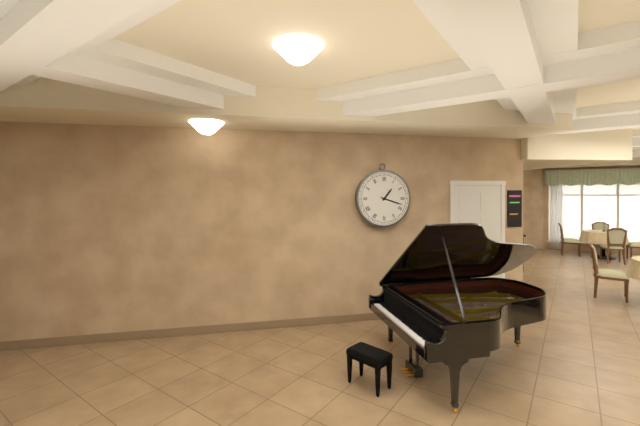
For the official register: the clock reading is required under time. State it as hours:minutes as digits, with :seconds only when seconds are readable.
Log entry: 1:18
